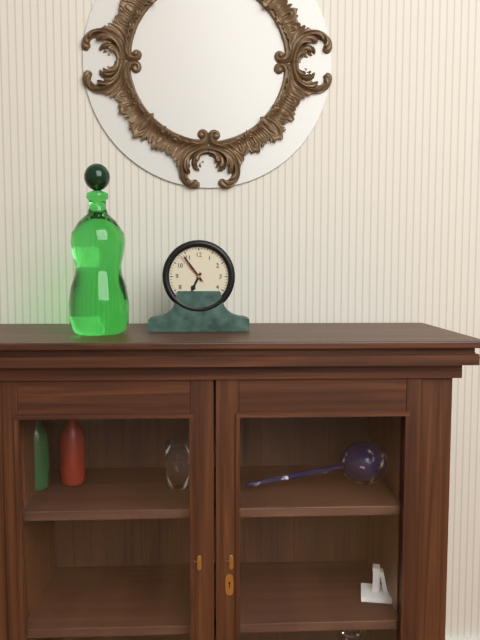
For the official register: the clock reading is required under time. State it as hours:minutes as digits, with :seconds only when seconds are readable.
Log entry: 6:54
